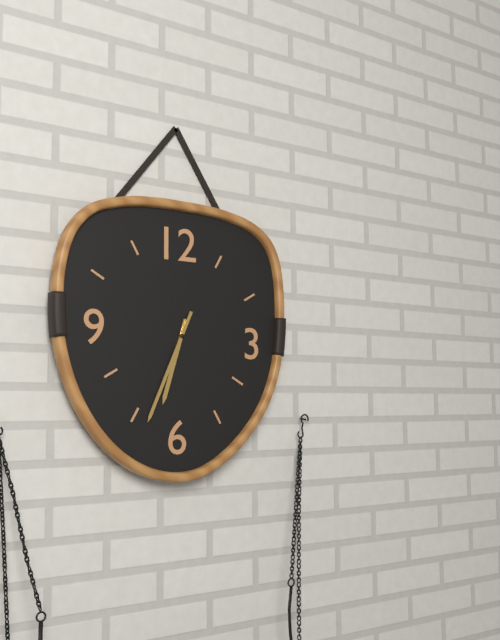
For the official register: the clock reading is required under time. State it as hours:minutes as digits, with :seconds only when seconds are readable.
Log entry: 6:34
